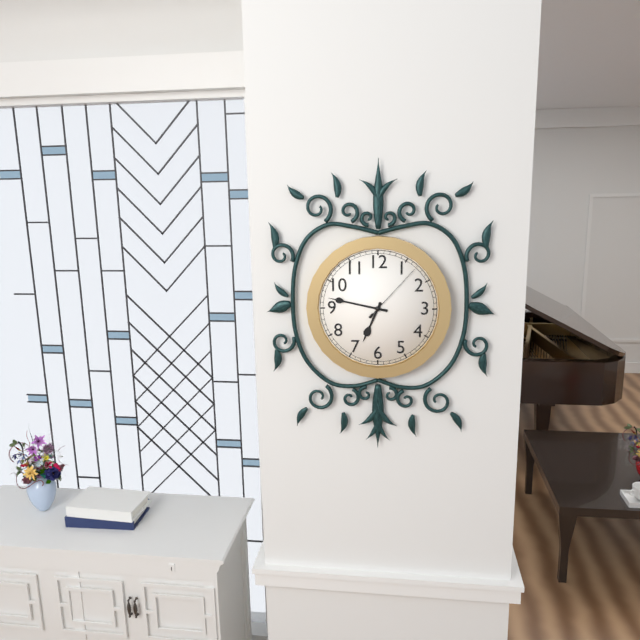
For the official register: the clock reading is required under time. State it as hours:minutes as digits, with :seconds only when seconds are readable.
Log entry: 6:47:07
